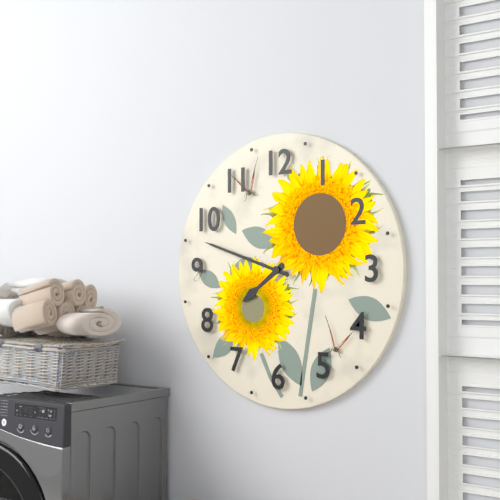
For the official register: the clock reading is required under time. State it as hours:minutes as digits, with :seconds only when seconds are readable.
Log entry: 7:48
